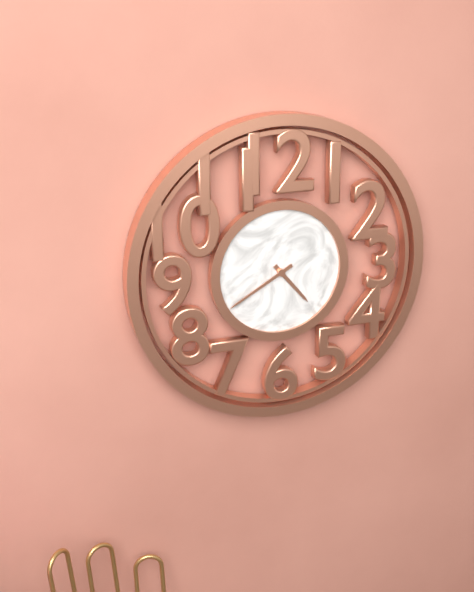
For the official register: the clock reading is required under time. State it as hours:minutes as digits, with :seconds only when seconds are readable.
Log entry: 4:40
